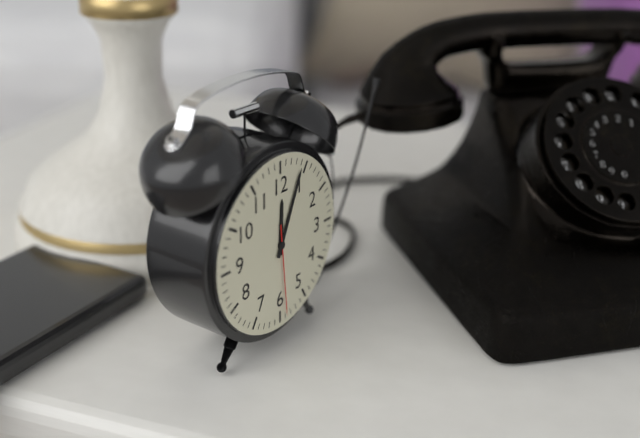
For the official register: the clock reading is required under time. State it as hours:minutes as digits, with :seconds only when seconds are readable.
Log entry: 12:04:29
